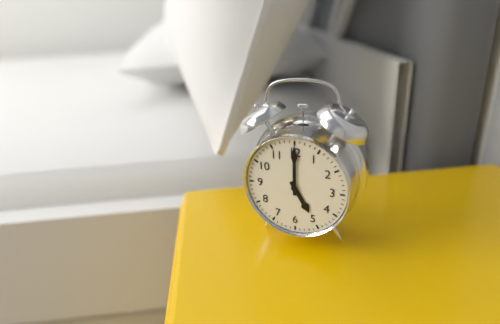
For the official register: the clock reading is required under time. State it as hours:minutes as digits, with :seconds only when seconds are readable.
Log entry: 5:00
